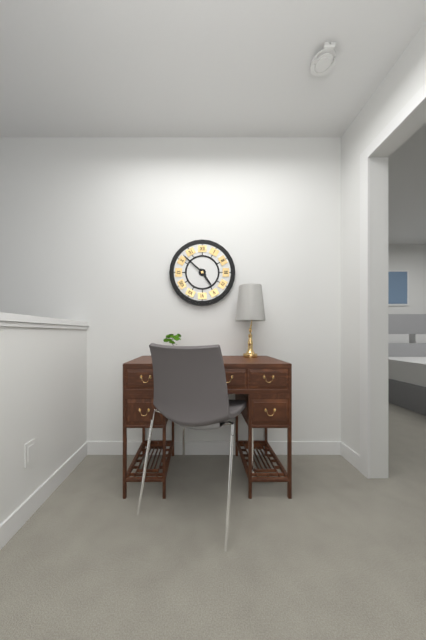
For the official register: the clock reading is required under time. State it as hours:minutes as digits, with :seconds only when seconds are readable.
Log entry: 4:52
